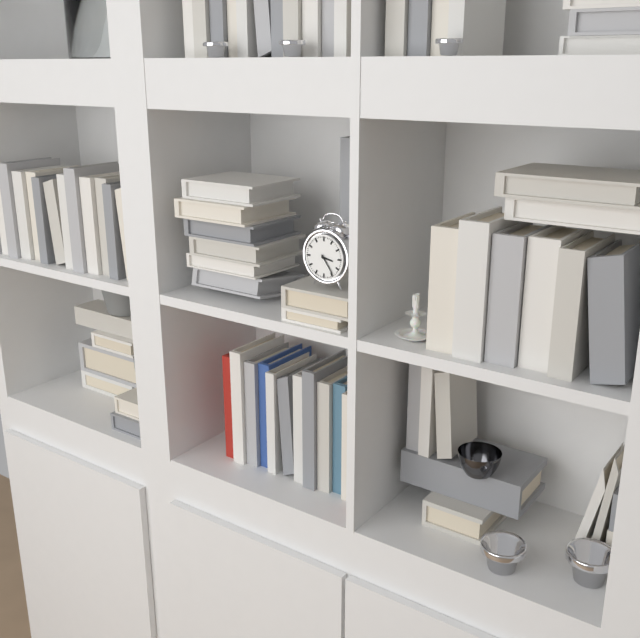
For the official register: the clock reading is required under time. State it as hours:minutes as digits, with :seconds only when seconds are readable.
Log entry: 3:24
